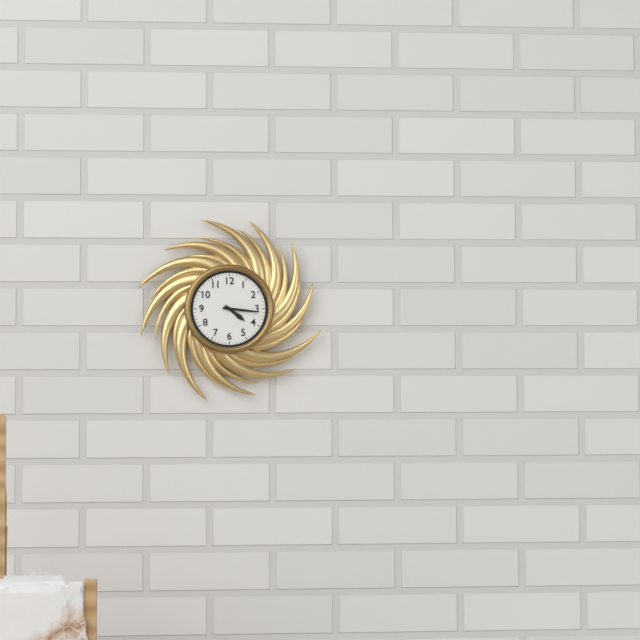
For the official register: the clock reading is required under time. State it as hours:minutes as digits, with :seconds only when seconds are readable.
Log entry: 4:16
